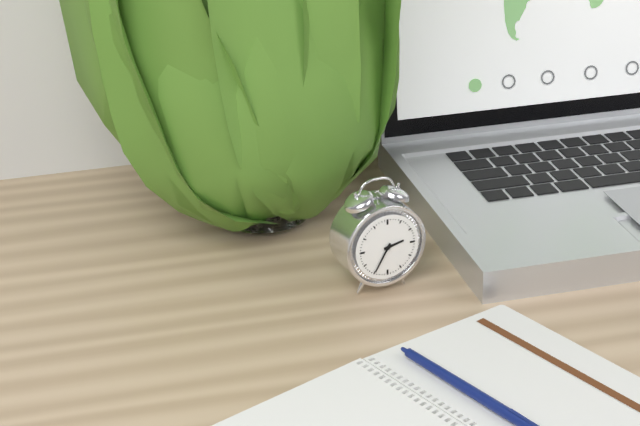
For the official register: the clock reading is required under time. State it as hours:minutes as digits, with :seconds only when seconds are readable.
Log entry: 2:35
